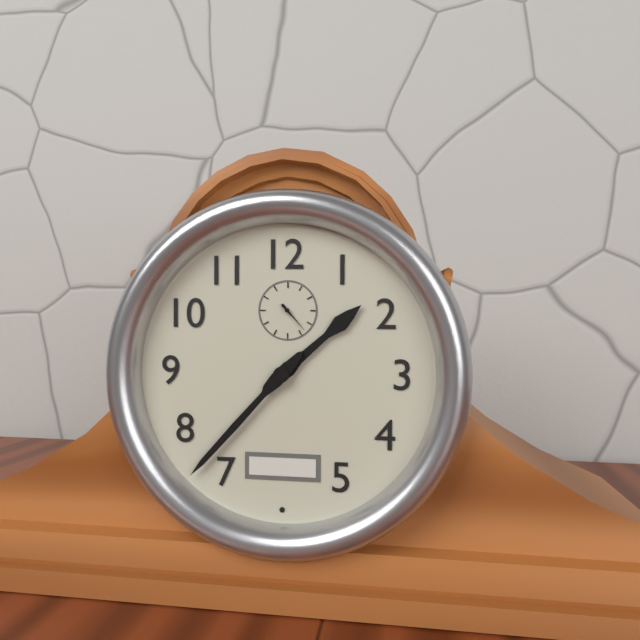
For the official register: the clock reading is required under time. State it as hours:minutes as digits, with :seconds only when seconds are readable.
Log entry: 1:37
